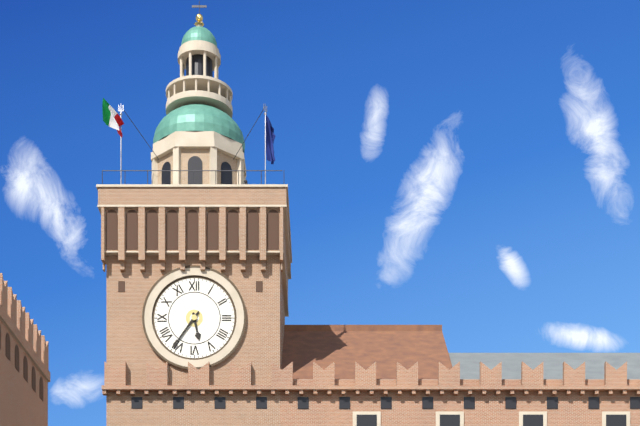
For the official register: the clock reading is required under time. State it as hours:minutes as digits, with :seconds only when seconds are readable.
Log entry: 5:36
